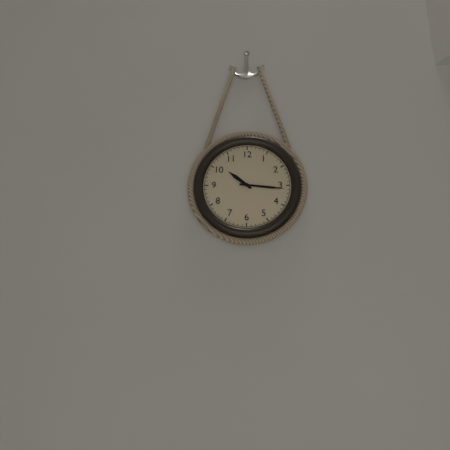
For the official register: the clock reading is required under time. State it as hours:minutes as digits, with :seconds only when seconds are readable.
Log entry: 10:16
